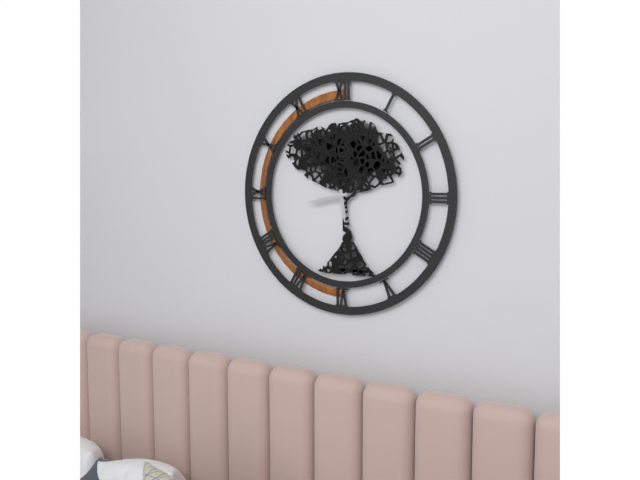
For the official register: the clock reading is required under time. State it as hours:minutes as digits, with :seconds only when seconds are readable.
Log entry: 5:43
